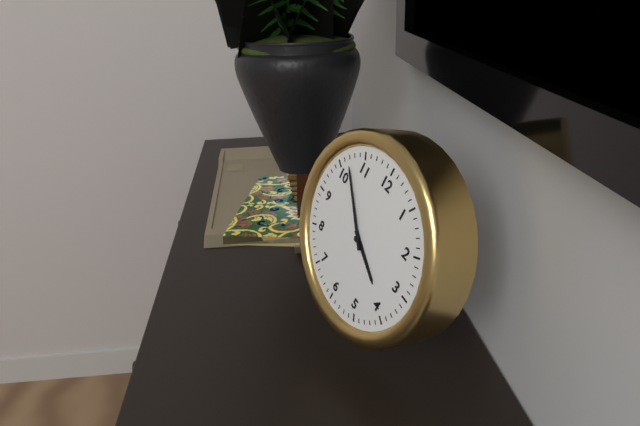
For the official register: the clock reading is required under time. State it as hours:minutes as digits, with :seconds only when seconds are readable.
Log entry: 3:52
